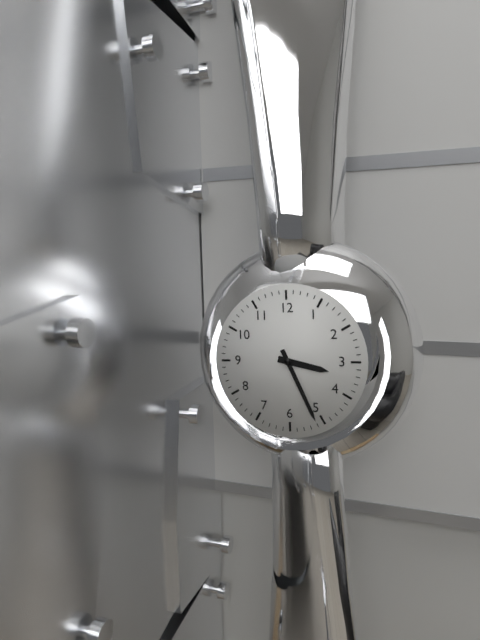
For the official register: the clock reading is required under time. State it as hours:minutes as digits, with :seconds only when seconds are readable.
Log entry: 3:26
